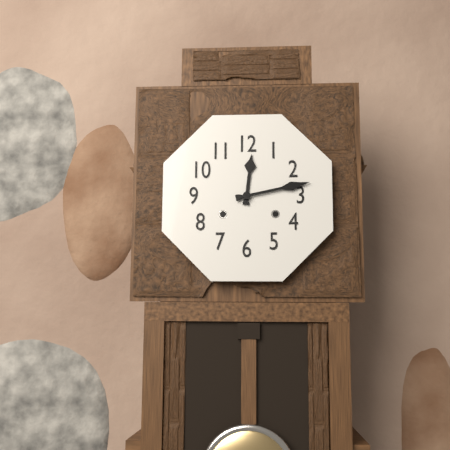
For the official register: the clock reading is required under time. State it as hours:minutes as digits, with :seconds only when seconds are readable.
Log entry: 12:13
